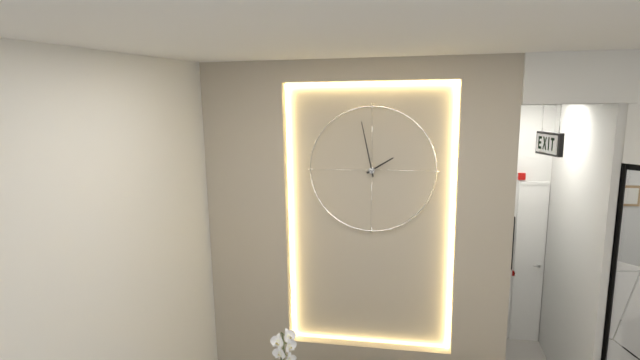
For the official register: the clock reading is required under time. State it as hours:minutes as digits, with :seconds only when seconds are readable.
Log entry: 1:58
